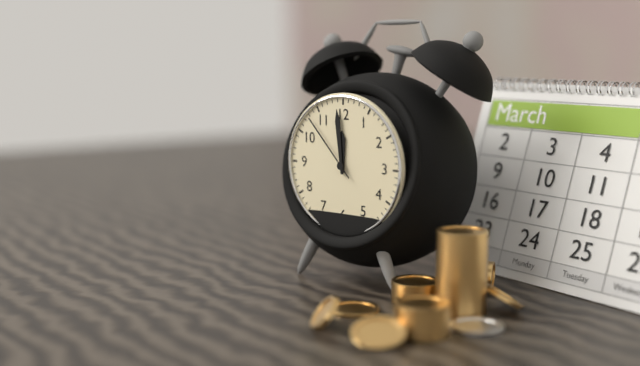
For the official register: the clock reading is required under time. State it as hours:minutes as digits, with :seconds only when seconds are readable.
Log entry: 11:59:53
